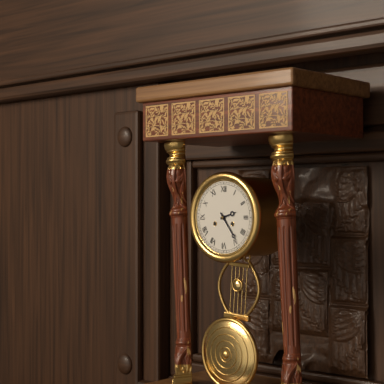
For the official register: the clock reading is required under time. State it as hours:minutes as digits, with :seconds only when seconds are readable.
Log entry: 2:24
